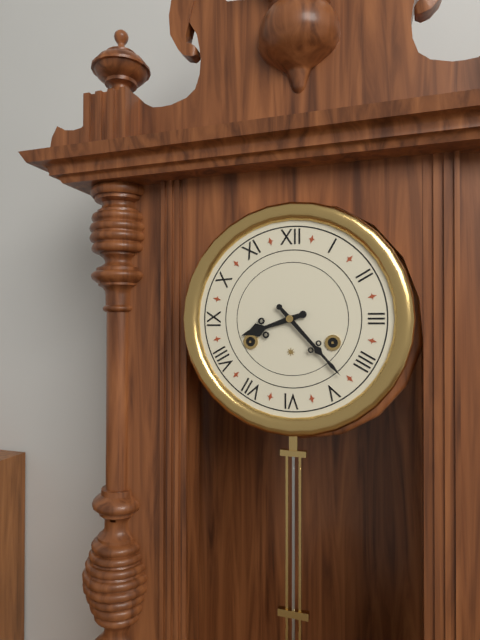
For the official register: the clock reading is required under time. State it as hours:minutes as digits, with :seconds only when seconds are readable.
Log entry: 8:23
